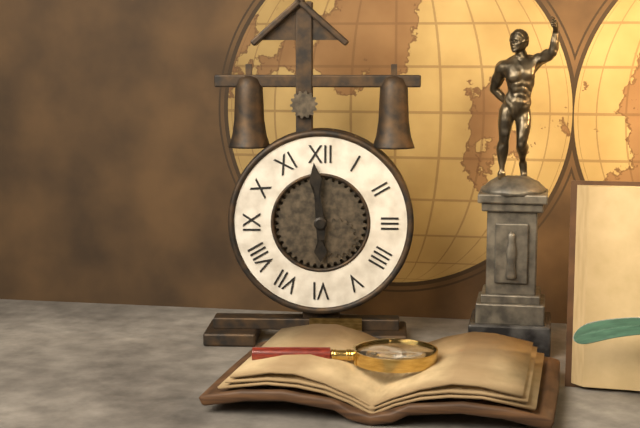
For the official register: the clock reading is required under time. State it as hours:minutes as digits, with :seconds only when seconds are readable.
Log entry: 5:59
